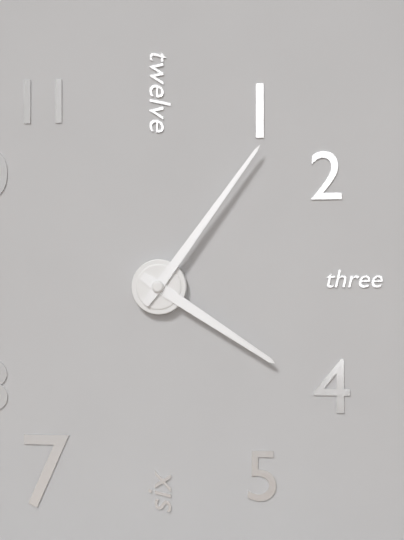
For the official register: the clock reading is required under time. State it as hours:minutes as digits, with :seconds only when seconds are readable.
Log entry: 4:06
